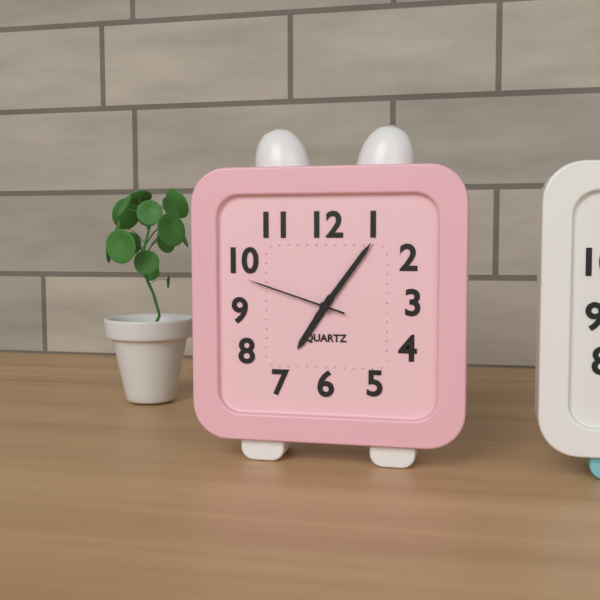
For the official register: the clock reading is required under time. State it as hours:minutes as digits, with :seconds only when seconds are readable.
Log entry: 7:06:48
